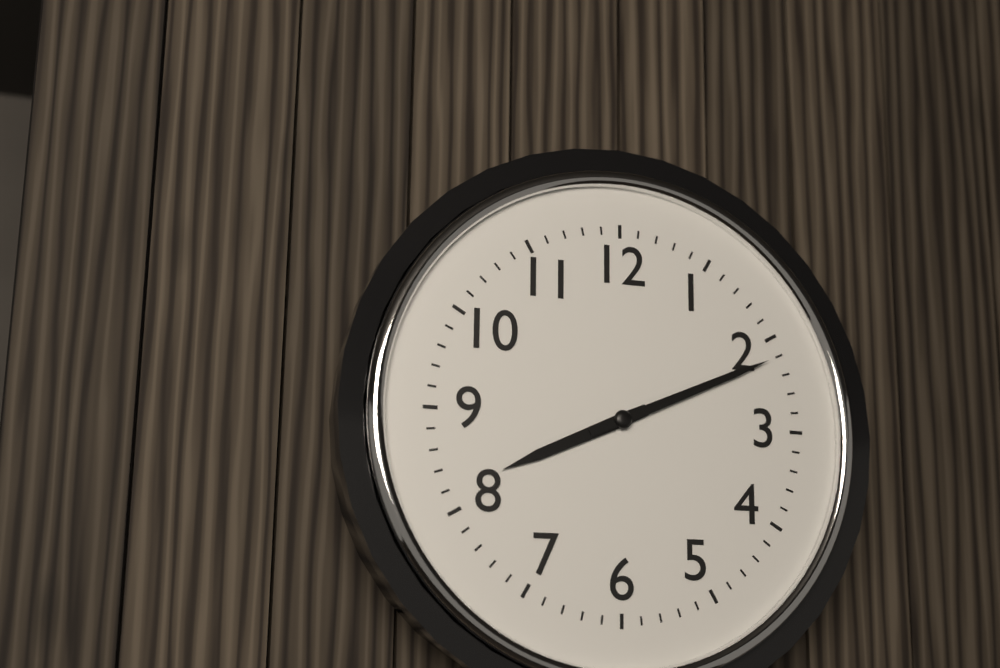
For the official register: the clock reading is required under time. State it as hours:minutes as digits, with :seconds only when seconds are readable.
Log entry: 8:11
